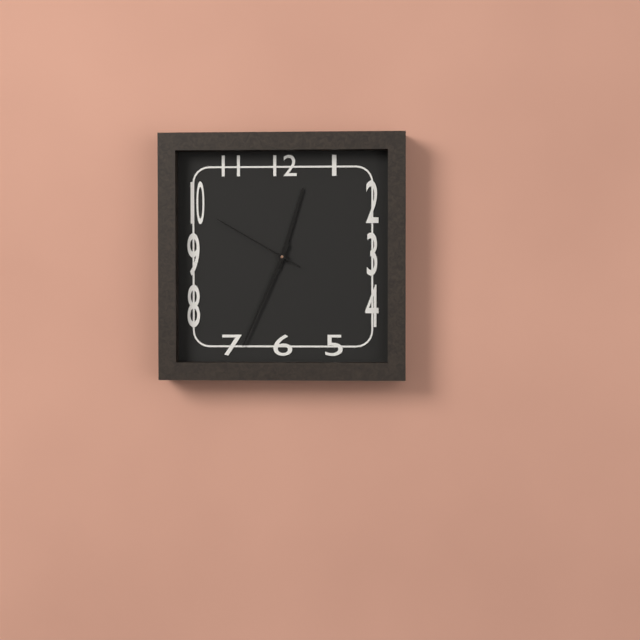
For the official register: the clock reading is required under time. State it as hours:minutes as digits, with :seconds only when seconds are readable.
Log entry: 12:34:50
